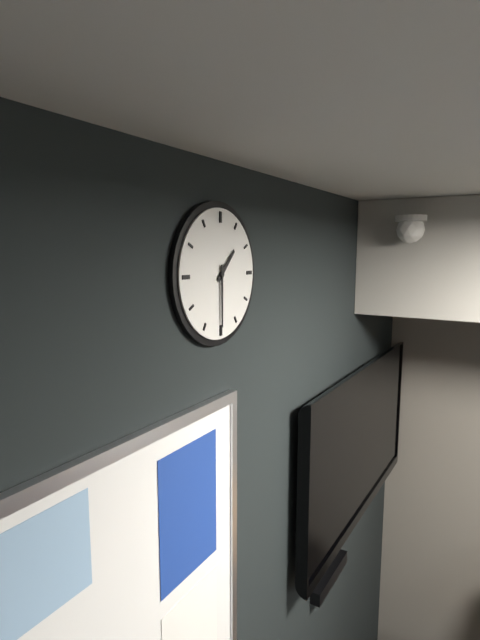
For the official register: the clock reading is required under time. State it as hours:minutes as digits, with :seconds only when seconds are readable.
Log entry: 1:30
